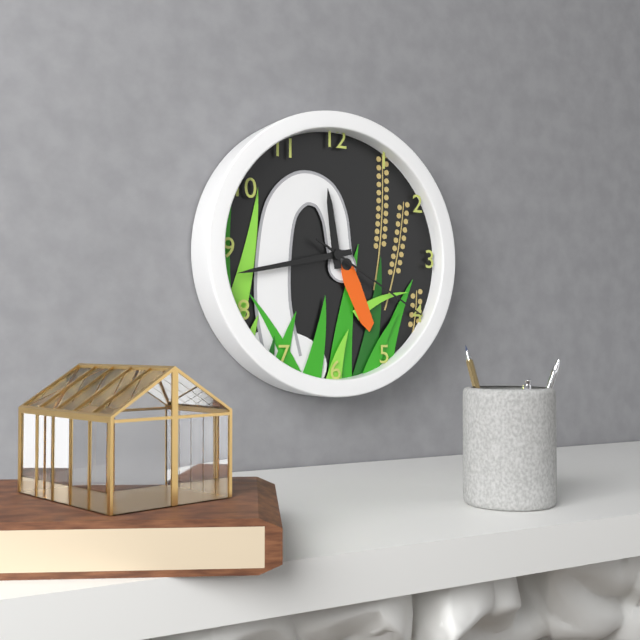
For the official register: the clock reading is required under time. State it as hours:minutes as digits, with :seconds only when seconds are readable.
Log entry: 11:43:20
